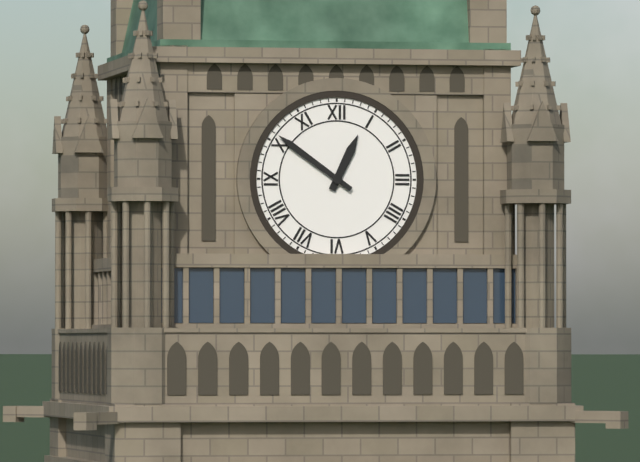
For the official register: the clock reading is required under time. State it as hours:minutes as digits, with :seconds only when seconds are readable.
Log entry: 12:51
